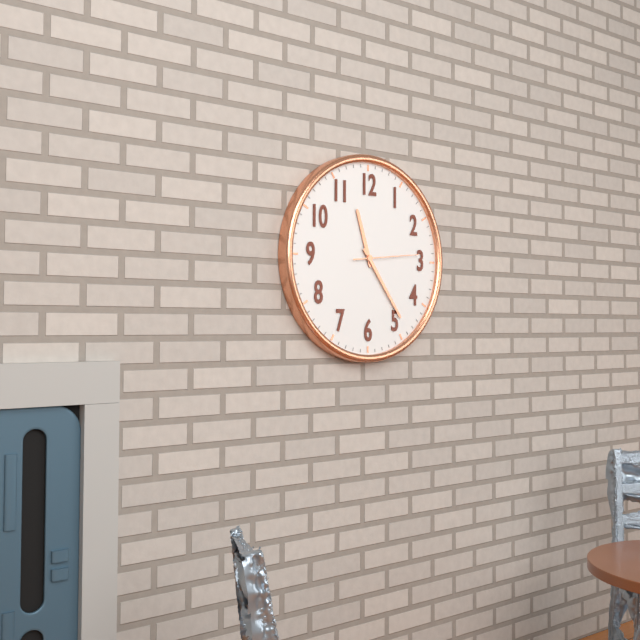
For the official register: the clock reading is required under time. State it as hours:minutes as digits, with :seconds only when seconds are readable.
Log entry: 11:24:14
